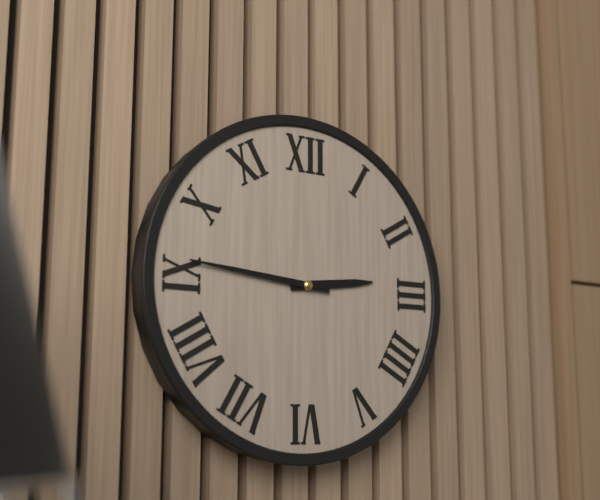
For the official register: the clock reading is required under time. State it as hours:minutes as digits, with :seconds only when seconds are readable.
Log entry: 2:46
